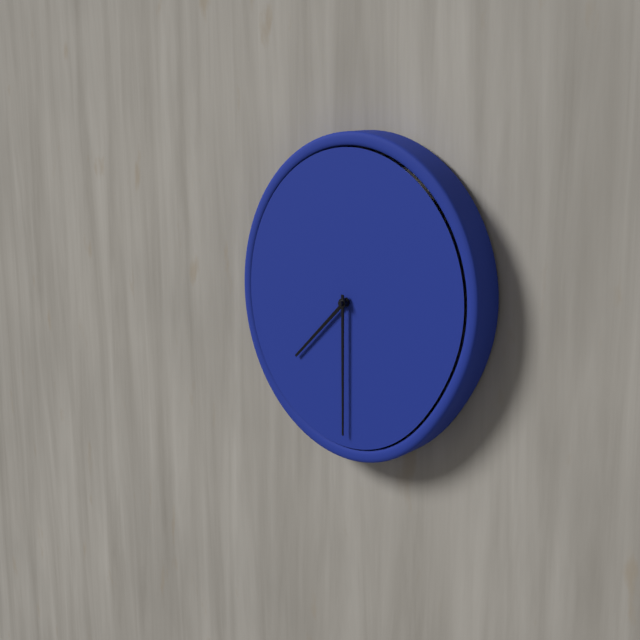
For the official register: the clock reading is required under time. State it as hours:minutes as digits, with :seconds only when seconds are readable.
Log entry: 7:30
